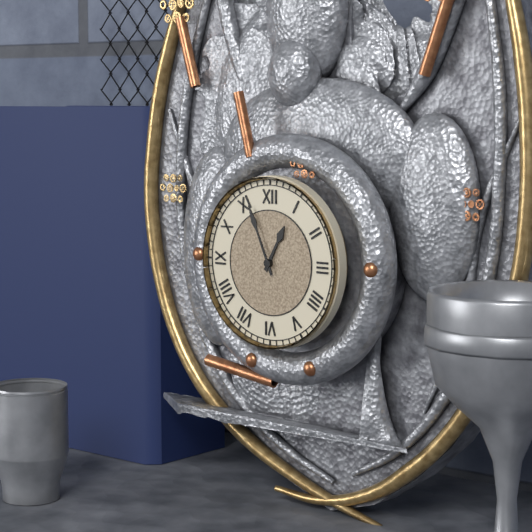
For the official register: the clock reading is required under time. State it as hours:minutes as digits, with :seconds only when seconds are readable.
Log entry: 12:56
